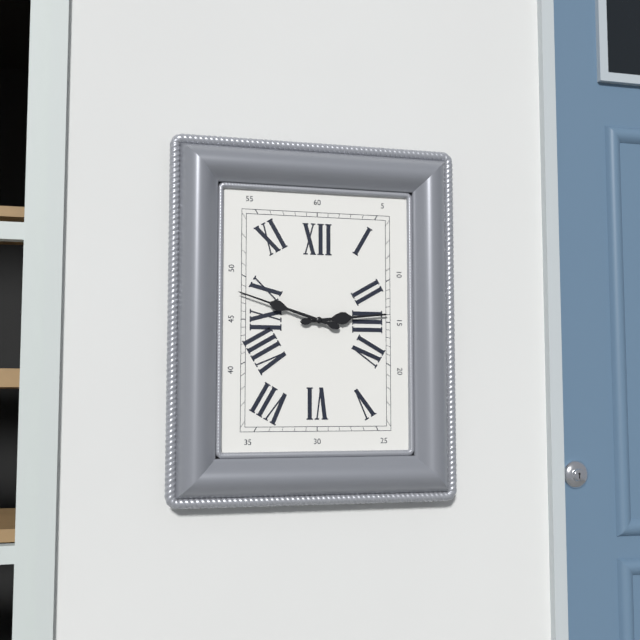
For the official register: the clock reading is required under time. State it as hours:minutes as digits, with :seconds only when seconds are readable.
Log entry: 2:48
